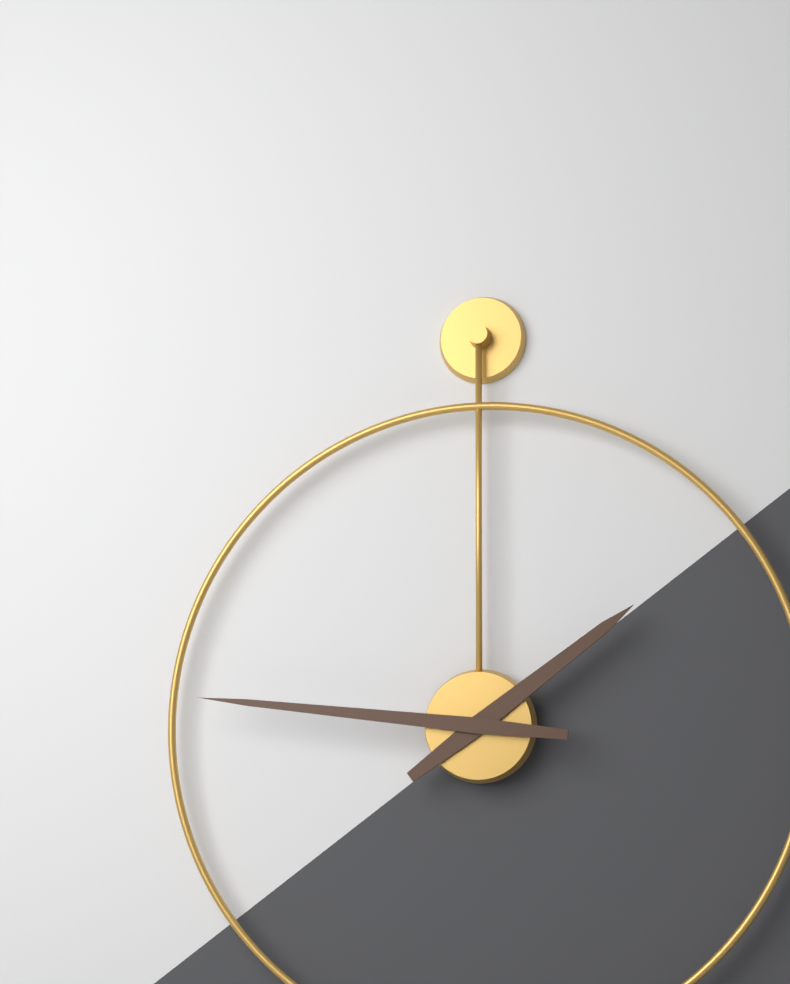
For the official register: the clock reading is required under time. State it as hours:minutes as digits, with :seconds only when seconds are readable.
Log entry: 1:46
